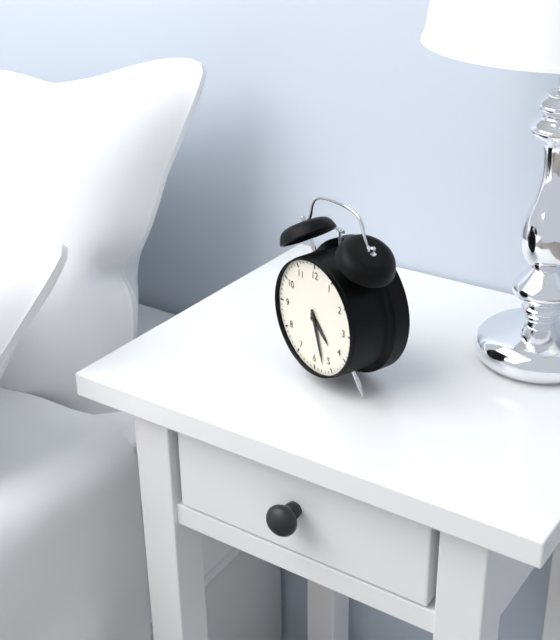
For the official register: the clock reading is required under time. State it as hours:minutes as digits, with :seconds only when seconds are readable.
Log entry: 4:27
